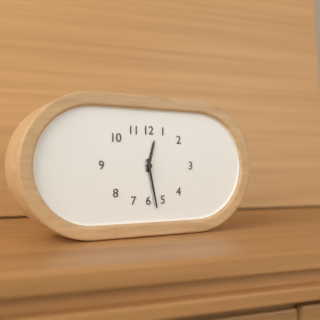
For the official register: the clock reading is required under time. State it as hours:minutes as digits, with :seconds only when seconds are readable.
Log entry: 12:28
